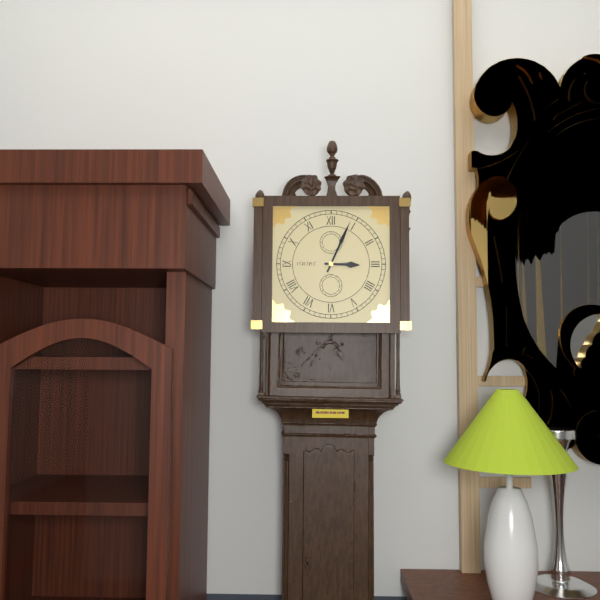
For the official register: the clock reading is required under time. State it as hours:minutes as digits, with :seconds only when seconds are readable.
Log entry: 3:04
